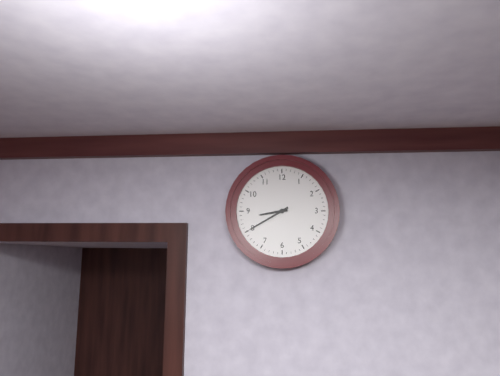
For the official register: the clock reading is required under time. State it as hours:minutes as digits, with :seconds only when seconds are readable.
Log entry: 8:40
